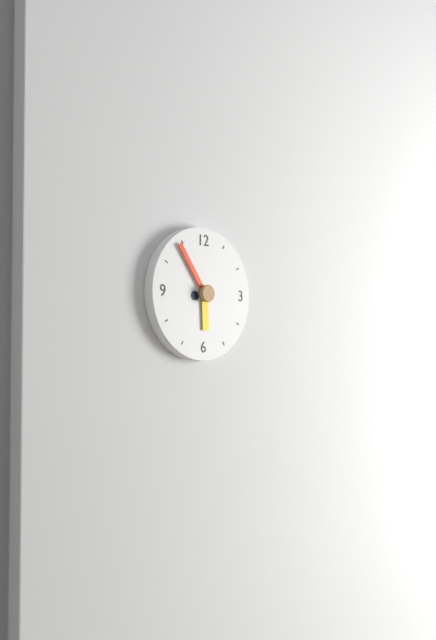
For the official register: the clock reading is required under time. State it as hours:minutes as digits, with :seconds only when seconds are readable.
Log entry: 5:54
